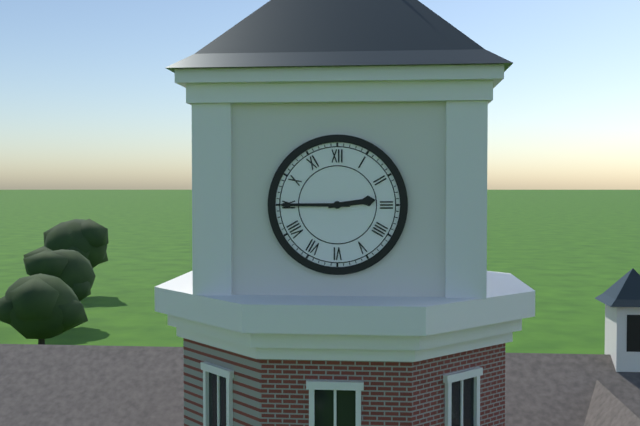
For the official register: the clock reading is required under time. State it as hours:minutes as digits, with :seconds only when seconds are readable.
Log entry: 2:45
